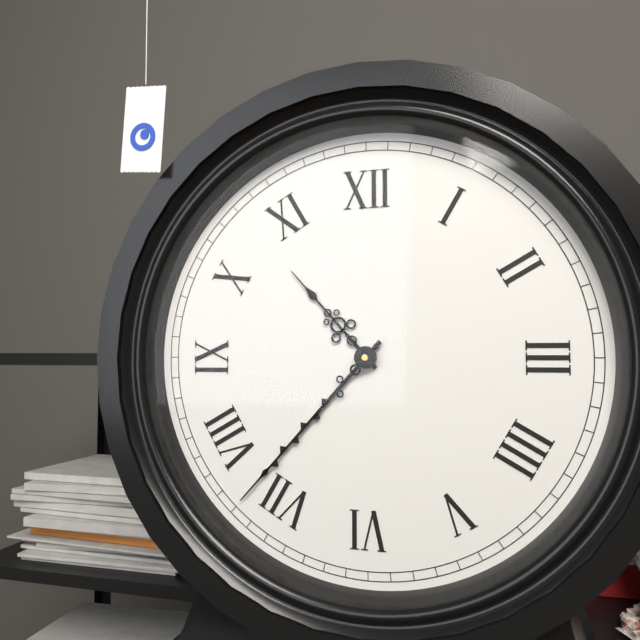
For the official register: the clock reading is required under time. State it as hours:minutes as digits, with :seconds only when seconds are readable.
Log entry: 10:37
